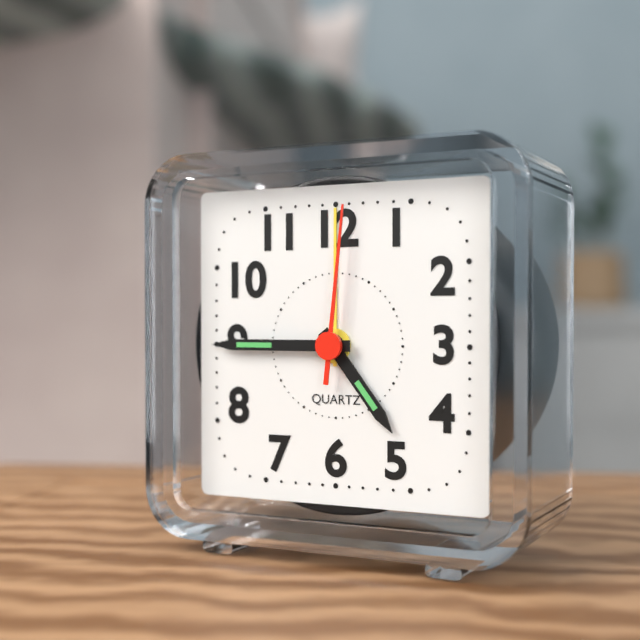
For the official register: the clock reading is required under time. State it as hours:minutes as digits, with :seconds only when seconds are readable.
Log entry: 4:45:01
